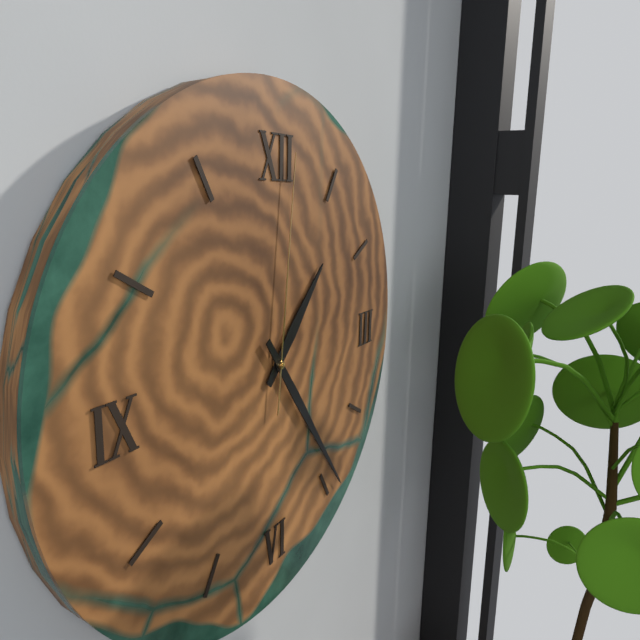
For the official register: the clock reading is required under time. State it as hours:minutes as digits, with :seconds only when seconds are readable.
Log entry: 1:24:01
